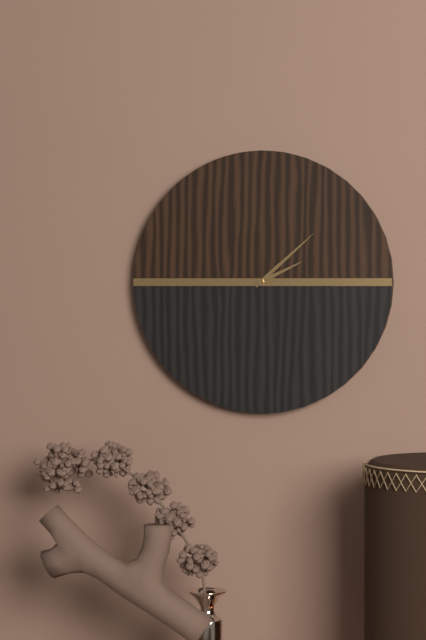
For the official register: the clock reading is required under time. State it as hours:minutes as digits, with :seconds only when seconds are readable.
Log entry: 2:08
